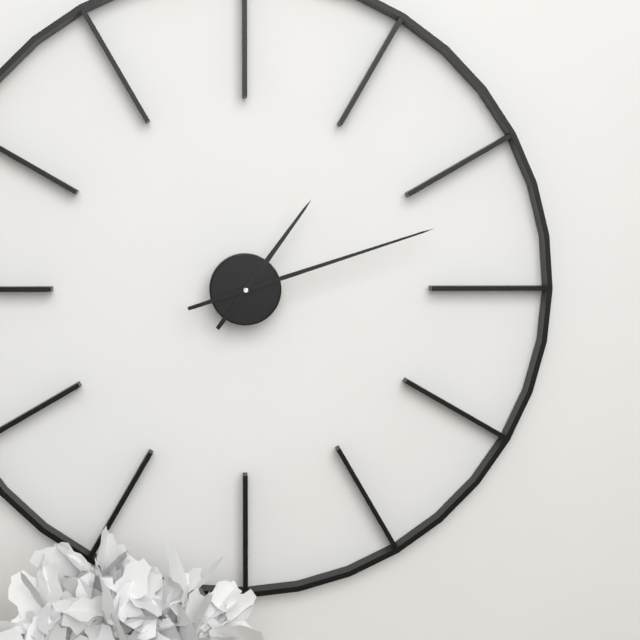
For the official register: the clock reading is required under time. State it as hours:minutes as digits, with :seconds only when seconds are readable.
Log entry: 1:12
